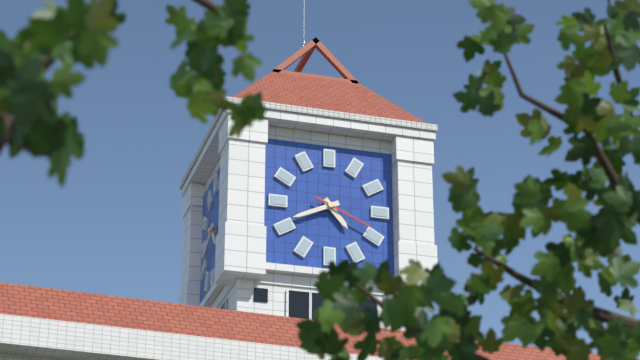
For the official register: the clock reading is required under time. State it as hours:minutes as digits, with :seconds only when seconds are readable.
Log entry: 4:41:19
